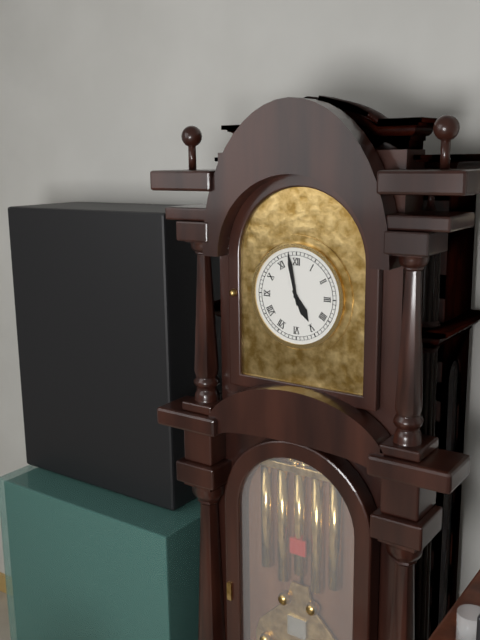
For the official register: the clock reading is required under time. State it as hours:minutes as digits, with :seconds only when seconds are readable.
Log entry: 4:58
